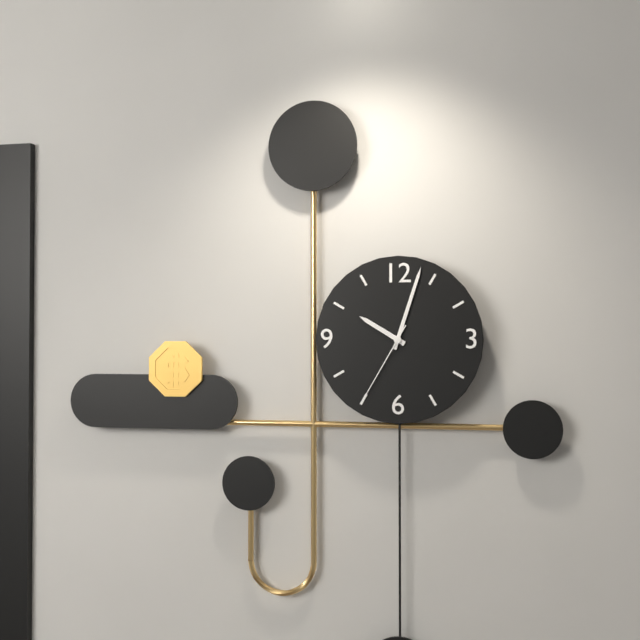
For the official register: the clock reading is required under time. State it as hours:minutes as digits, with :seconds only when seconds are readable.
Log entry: 10:03:35
